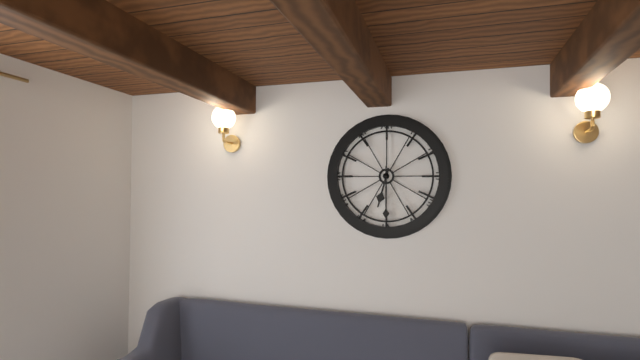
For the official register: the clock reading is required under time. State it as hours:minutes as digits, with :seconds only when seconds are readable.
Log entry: 6:30
